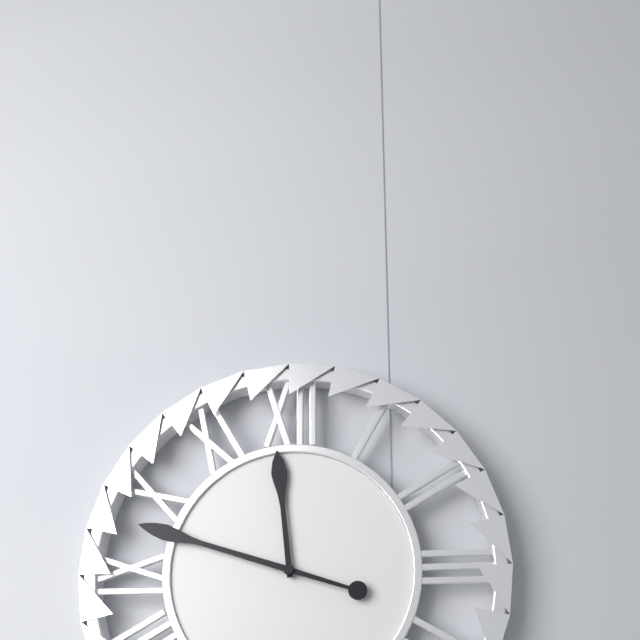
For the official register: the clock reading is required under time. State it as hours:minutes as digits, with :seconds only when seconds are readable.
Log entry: 11:48
